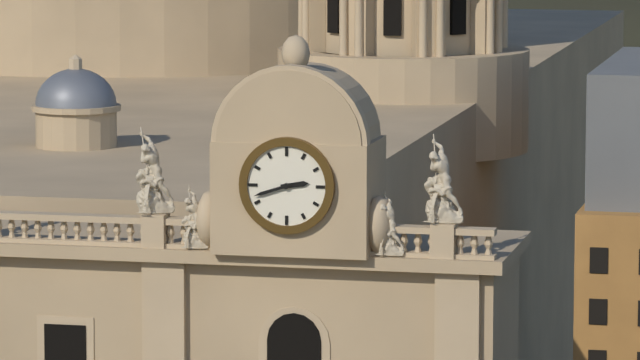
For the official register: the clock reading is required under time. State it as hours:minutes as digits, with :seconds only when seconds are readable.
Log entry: 2:42
